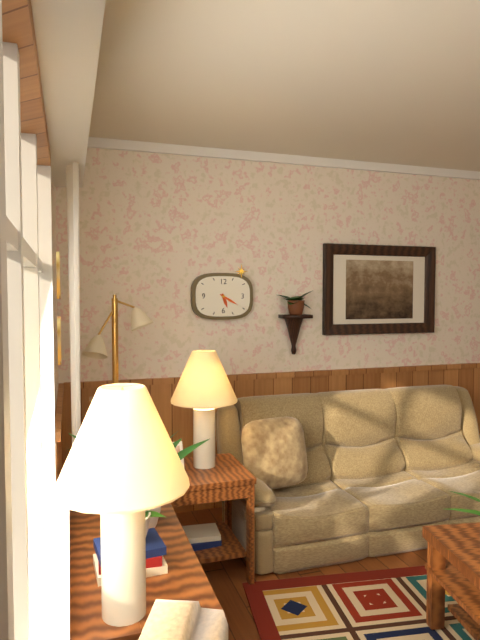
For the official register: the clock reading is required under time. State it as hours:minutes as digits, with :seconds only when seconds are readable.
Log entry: 5:20
